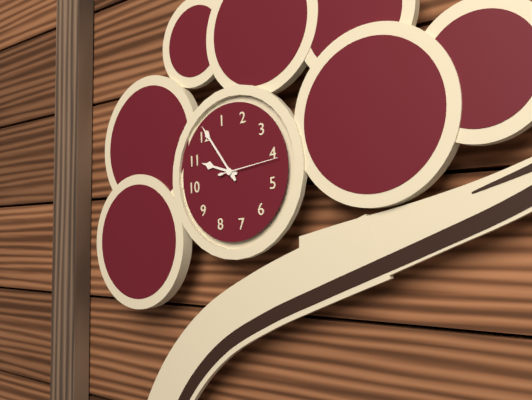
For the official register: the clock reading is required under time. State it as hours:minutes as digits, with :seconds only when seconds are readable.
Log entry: 11:01:21
